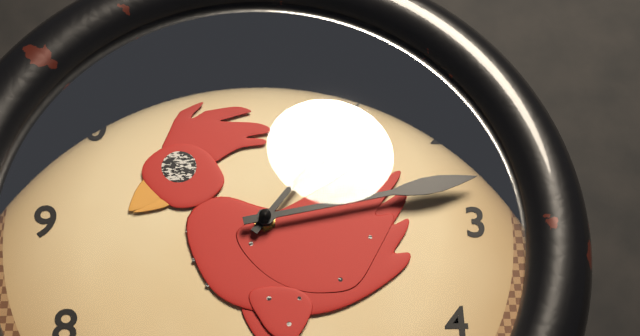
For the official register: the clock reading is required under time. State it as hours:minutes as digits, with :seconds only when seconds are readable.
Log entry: 1:13
